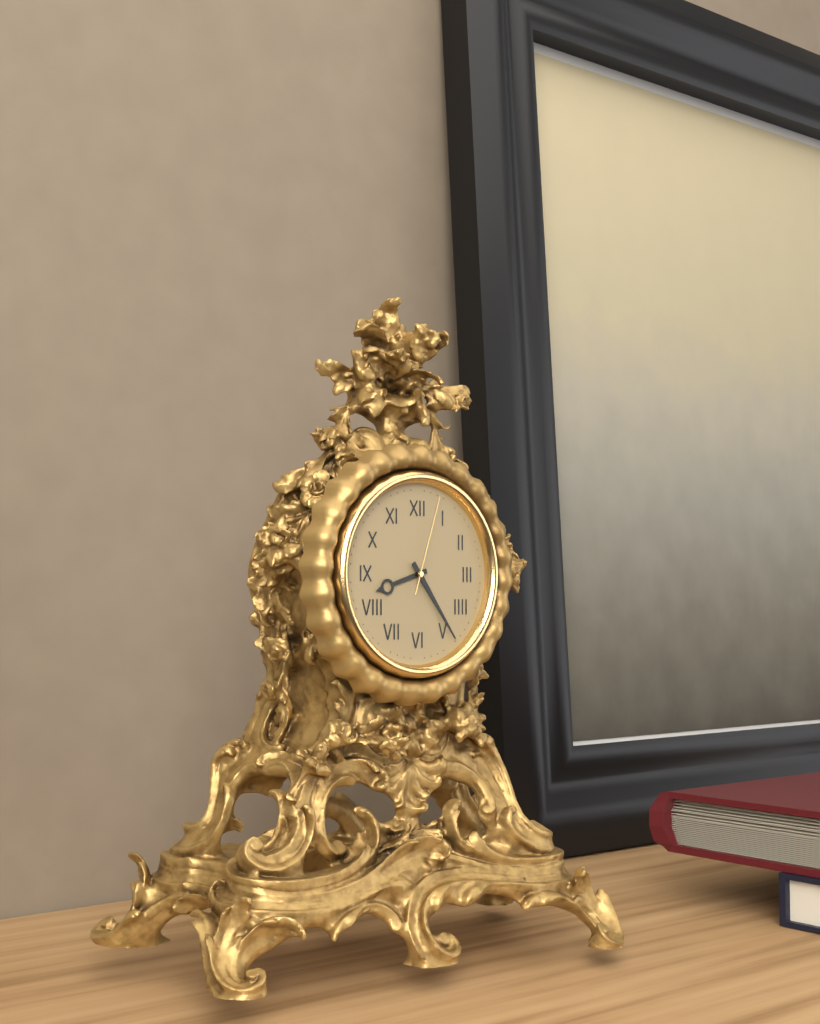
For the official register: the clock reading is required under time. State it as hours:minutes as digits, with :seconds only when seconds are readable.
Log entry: 8:24:03
